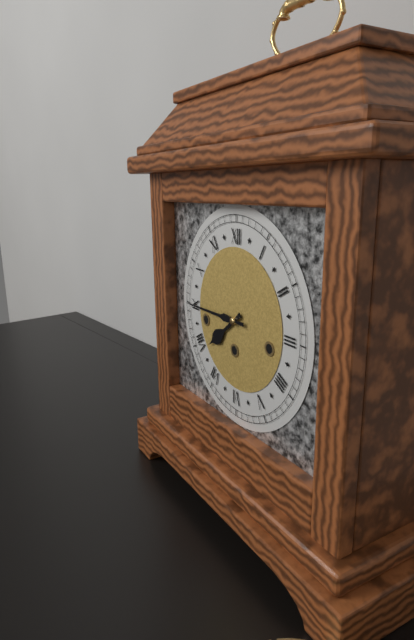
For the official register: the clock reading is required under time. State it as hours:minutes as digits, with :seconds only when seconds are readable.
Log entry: 7:45
